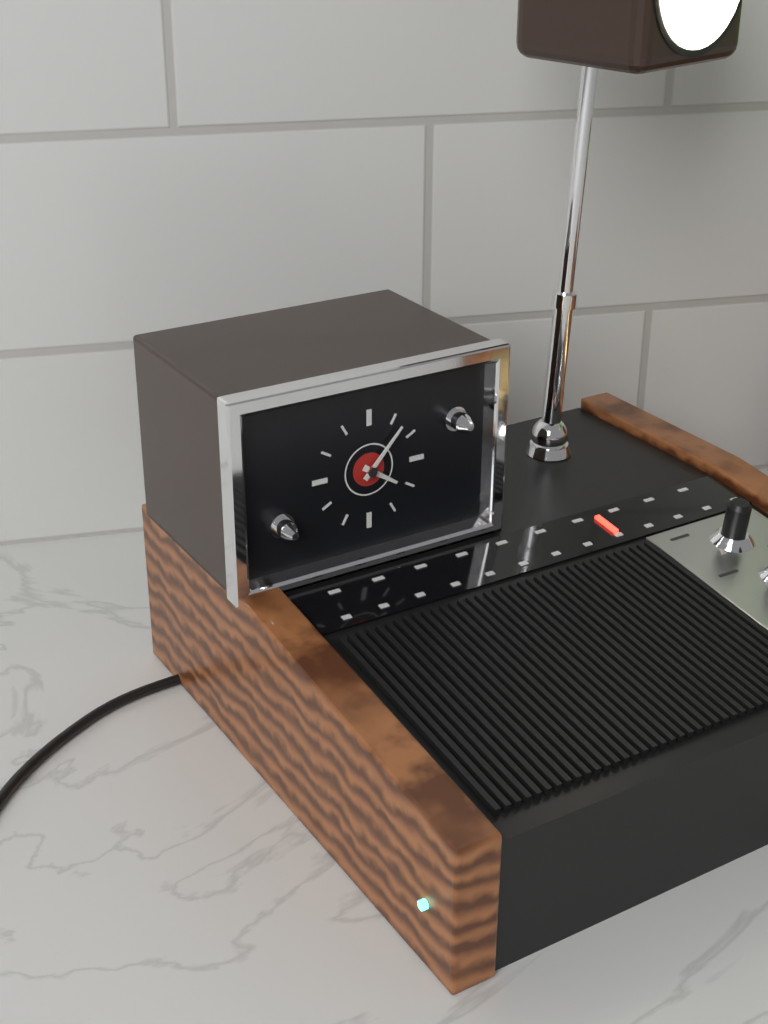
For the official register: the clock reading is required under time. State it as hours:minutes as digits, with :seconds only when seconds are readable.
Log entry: 4:07
